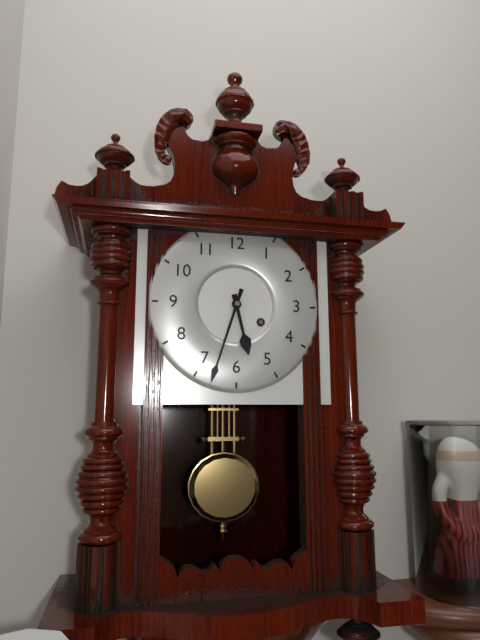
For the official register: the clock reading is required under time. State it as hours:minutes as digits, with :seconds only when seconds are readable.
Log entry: 5:33
